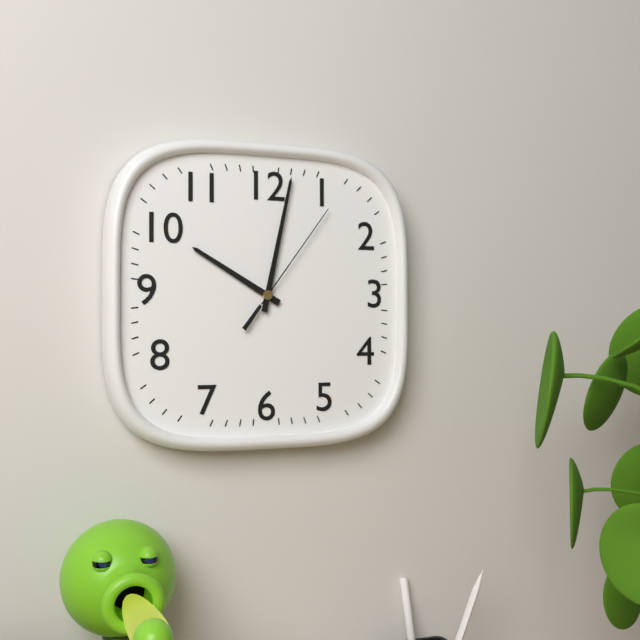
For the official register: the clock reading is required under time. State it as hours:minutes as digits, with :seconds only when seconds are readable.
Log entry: 10:02:06
